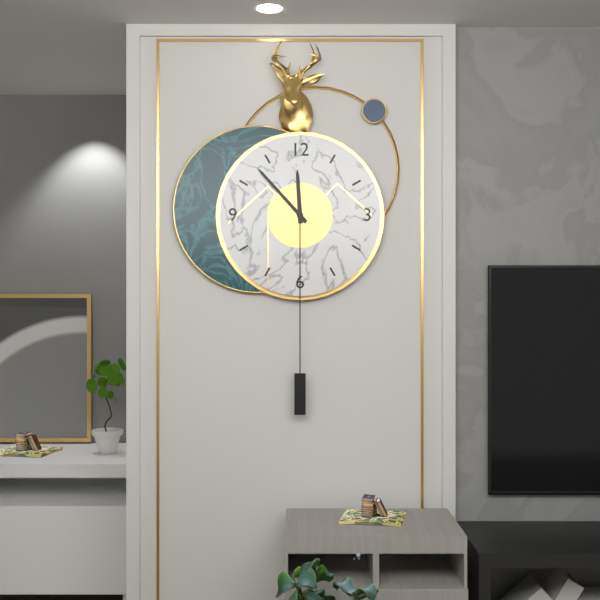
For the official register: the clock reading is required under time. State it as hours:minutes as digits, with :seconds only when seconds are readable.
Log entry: 11:53
